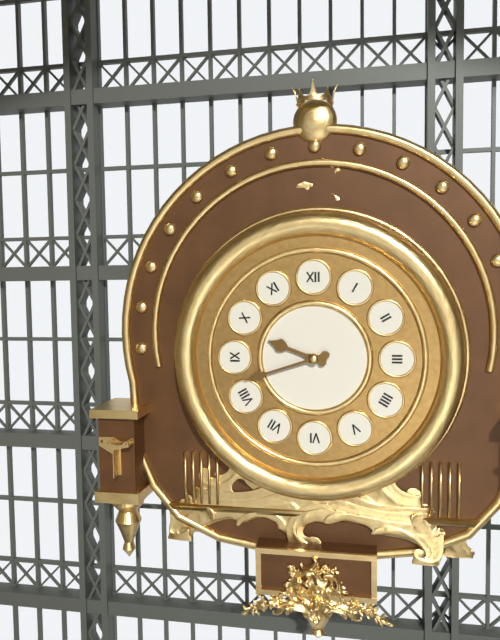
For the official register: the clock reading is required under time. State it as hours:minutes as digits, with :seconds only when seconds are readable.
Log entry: 9:42
